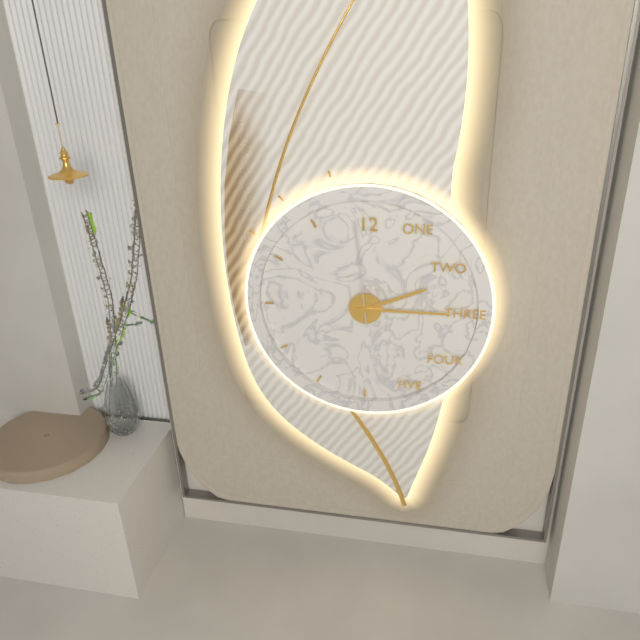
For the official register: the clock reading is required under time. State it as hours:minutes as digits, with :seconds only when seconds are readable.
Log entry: 2:15:59
